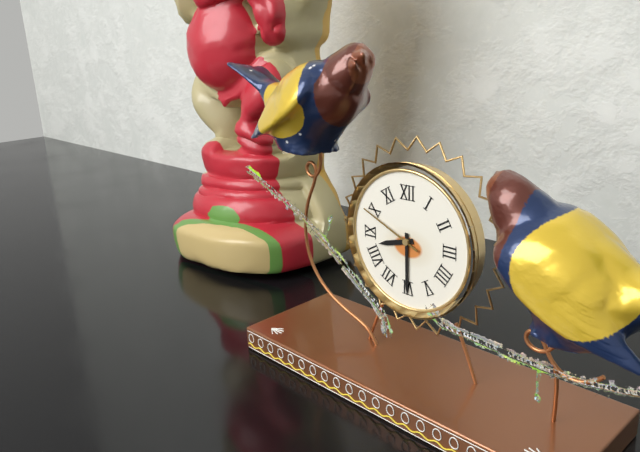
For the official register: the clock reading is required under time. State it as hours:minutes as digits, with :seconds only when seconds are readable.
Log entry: 8:30:49
